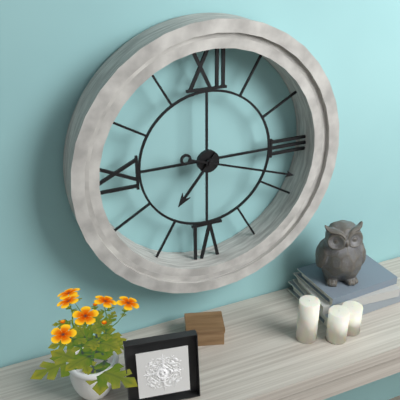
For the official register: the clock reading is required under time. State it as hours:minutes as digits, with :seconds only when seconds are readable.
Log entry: 7:18
